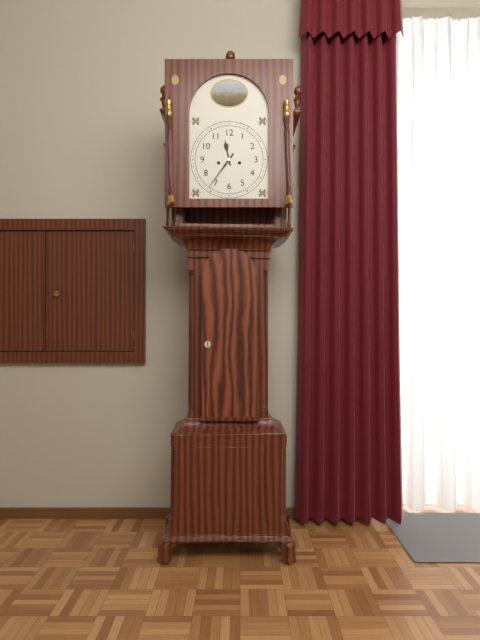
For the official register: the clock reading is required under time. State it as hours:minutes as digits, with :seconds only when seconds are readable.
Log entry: 11:36
